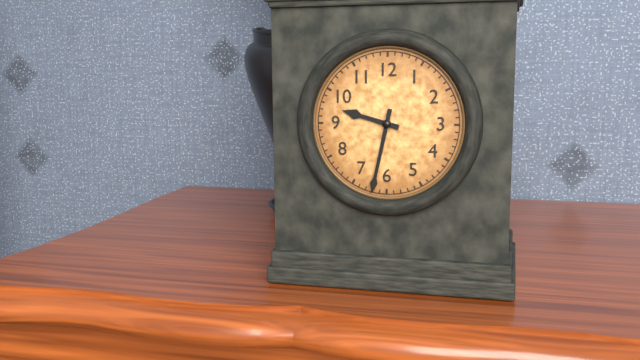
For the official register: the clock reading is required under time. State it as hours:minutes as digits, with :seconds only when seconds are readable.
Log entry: 9:32
